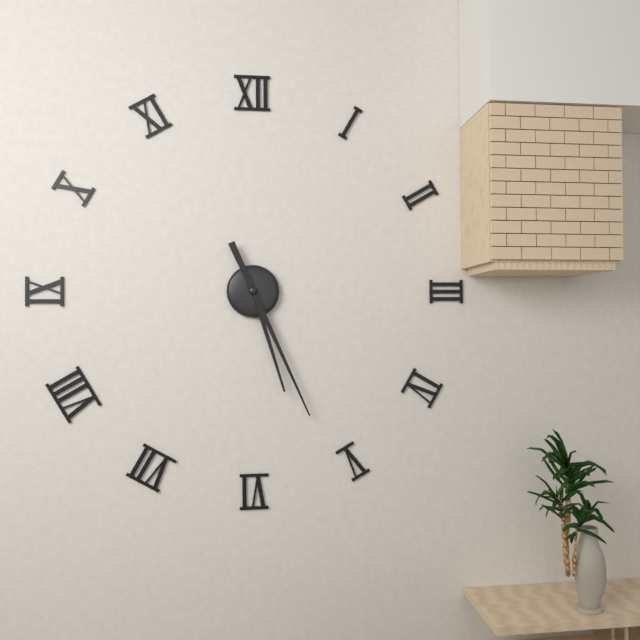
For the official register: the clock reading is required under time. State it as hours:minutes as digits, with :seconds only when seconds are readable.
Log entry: 5:26
